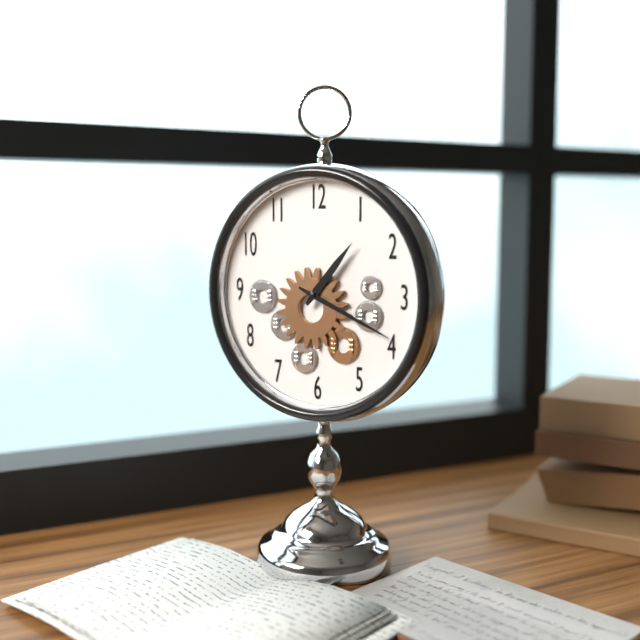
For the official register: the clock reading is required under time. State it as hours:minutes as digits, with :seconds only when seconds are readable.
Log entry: 1:19
